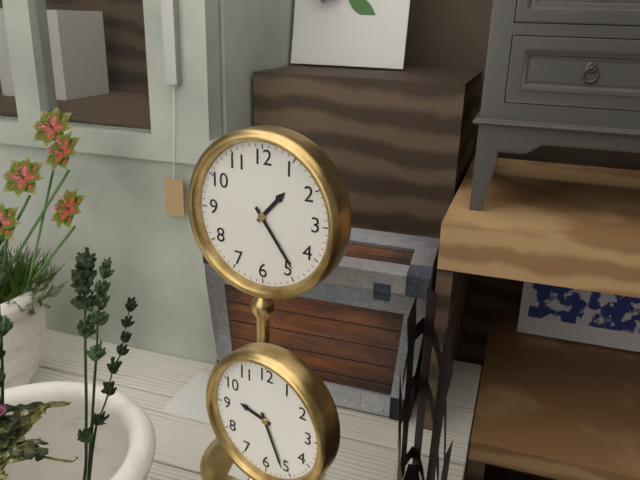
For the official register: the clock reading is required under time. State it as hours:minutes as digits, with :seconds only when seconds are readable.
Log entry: 1:24
